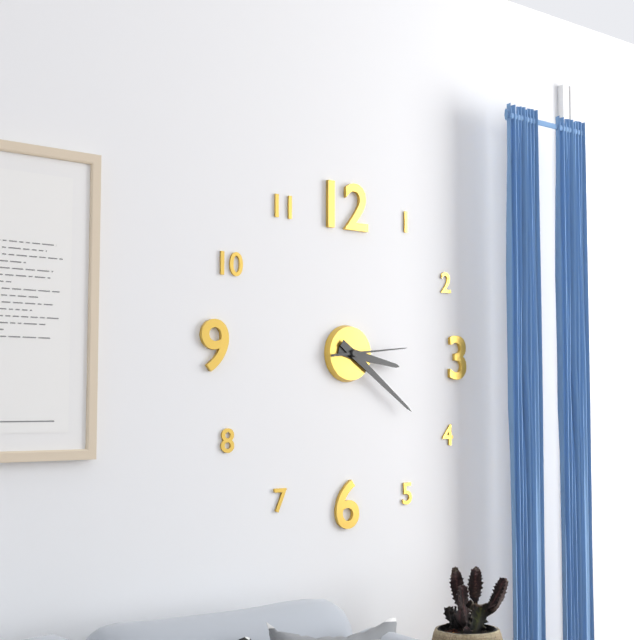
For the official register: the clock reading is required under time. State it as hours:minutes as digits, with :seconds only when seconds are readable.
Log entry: 3:21:14
